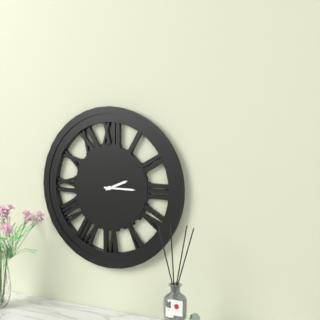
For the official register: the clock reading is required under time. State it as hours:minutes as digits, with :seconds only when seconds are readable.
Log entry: 2:15
